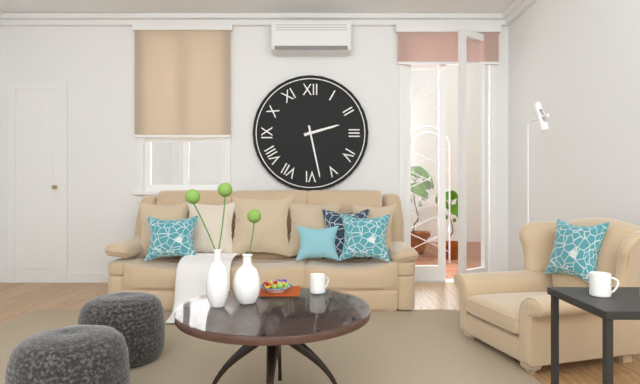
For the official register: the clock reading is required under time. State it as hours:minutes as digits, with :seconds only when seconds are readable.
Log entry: 2:28
